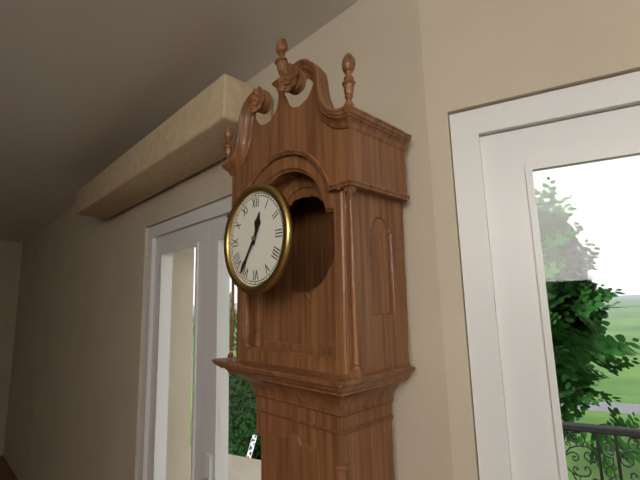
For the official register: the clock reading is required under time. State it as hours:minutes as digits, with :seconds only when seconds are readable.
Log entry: 12:36
